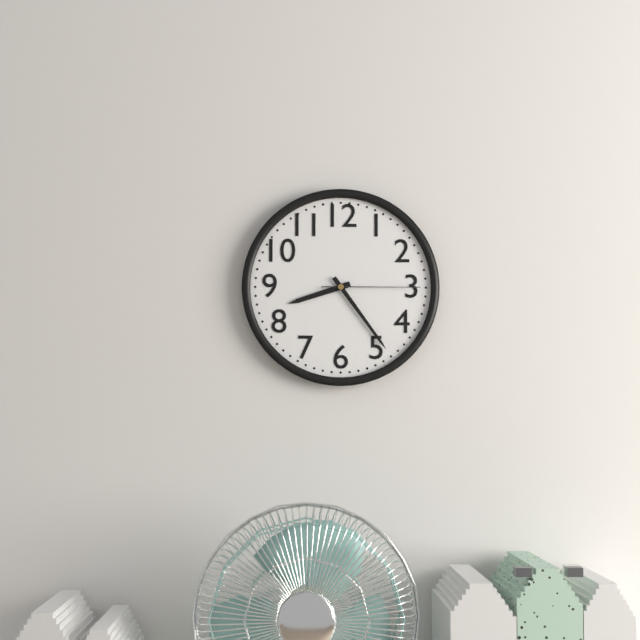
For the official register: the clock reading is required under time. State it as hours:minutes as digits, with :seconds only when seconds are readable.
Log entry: 8:24:15
